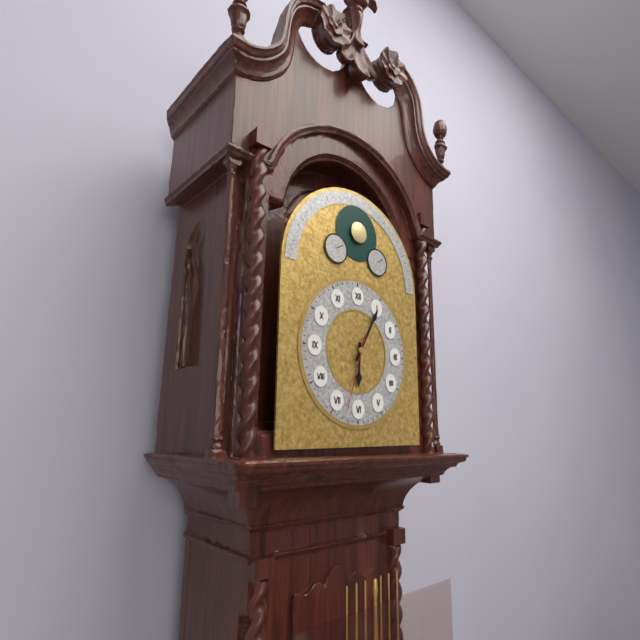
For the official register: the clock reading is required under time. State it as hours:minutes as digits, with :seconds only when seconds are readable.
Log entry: 6:05:33
